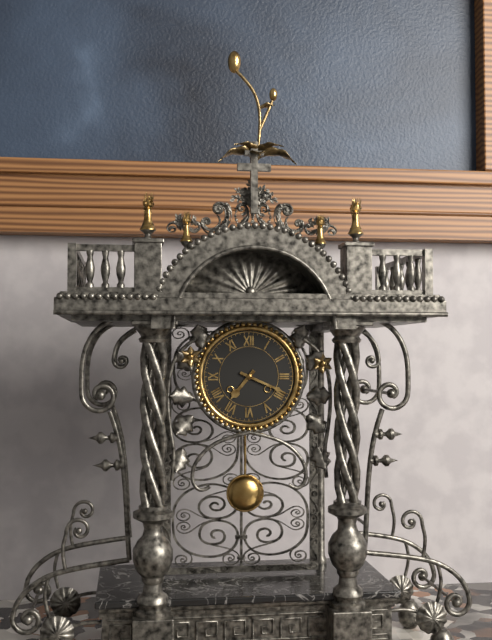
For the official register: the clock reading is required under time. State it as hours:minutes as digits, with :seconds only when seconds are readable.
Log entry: 7:19
